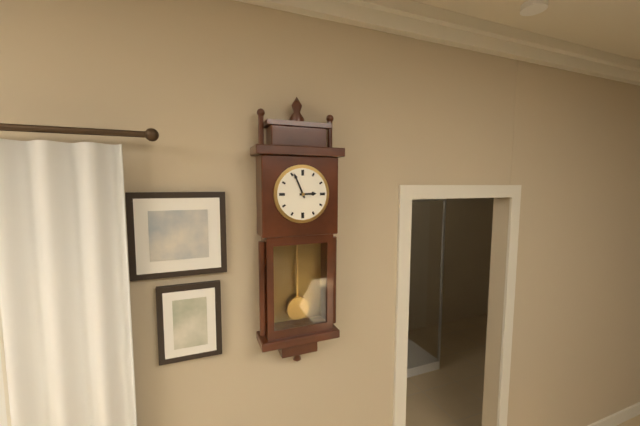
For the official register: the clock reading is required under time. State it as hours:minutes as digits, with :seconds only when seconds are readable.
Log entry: 2:56
